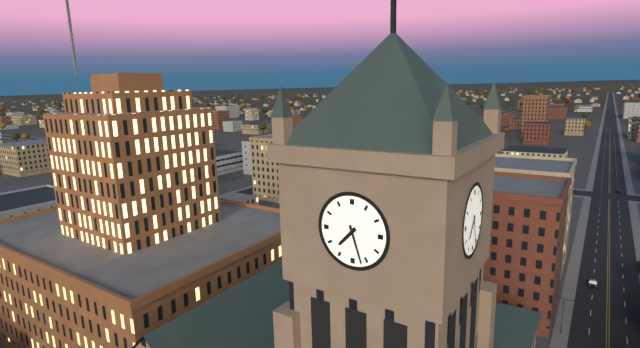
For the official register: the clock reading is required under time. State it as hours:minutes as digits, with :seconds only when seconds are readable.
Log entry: 7:27
